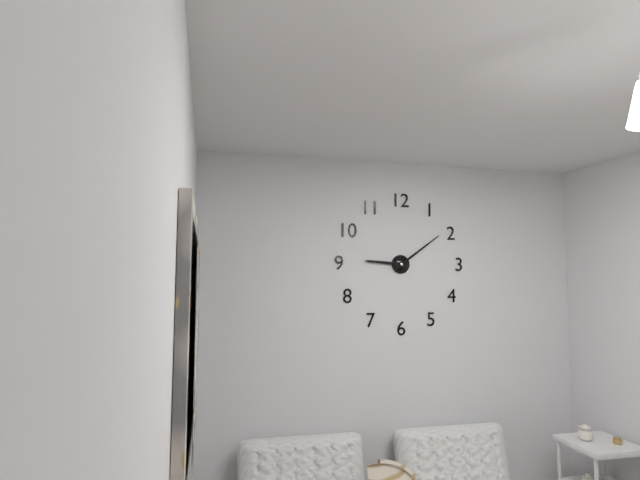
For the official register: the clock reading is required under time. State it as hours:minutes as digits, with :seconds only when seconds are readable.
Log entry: 9:09
